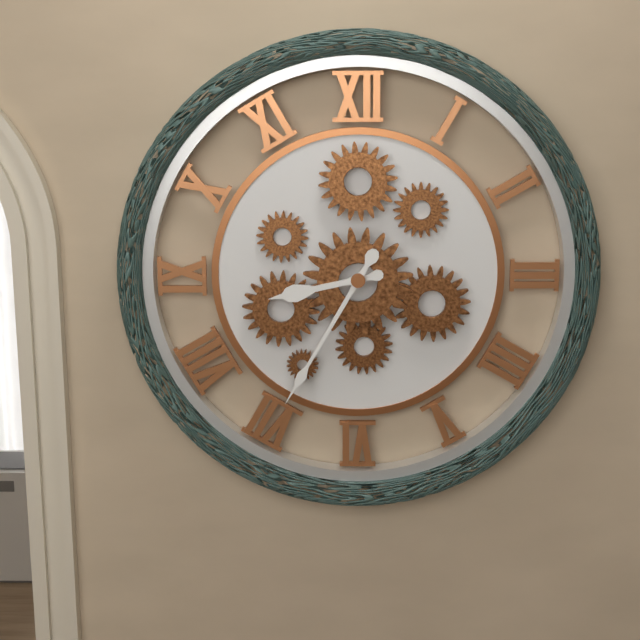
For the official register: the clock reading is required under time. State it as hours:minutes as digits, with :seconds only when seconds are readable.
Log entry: 8:35
